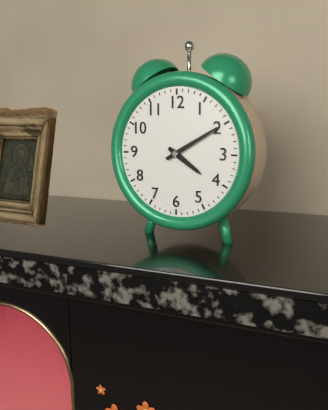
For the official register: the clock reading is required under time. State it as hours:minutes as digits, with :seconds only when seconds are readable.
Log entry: 4:10
